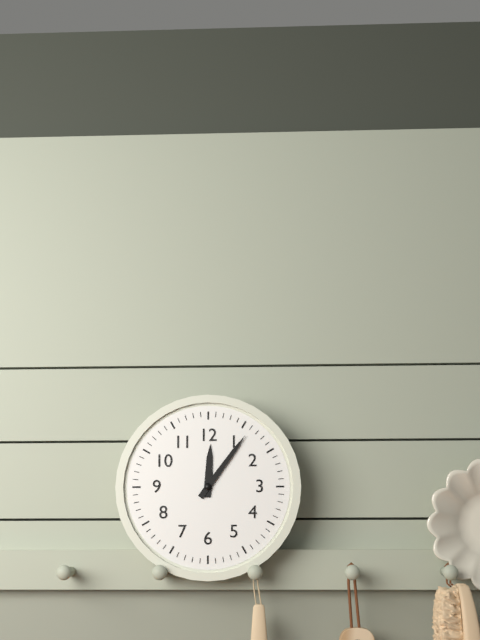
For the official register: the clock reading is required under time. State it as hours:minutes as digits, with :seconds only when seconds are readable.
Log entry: 12:06
